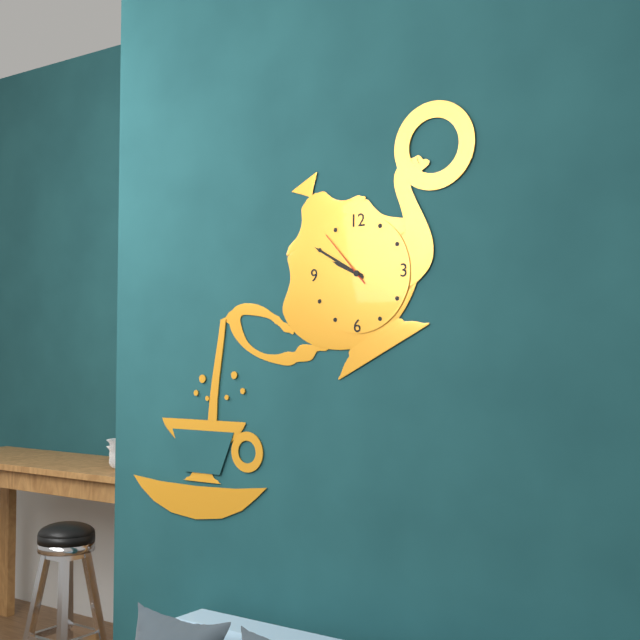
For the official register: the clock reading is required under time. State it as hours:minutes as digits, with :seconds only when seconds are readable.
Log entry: 9:50:53
